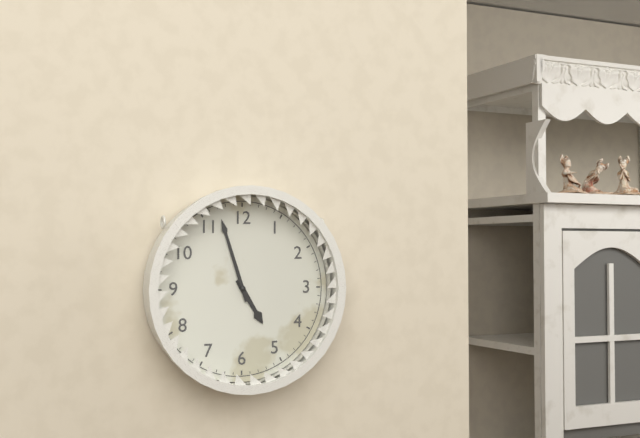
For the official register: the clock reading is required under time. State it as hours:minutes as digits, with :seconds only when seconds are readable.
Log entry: 4:57
